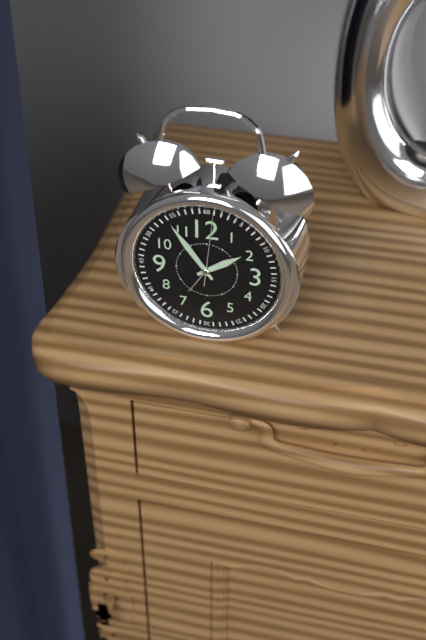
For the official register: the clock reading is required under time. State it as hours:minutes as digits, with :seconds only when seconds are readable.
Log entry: 1:54:01
